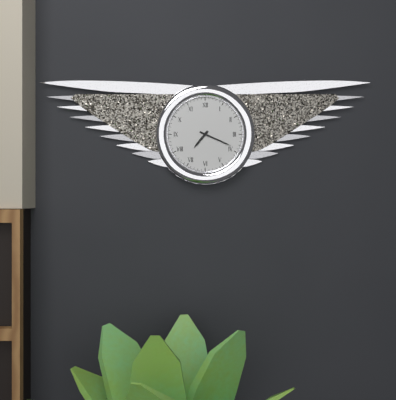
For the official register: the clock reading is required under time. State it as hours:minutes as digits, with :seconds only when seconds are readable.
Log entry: 7:19
